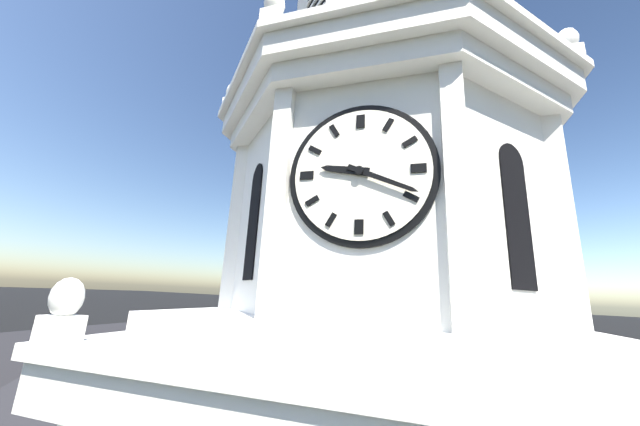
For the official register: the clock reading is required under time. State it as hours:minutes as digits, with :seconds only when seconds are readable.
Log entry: 9:19
